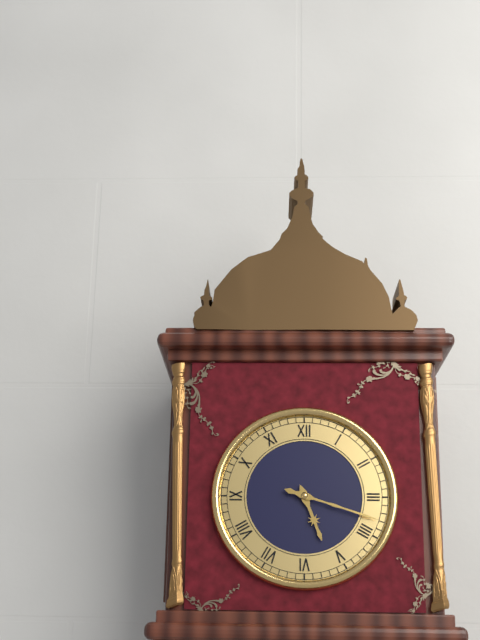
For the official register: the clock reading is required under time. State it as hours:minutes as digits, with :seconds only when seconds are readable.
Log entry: 5:18
